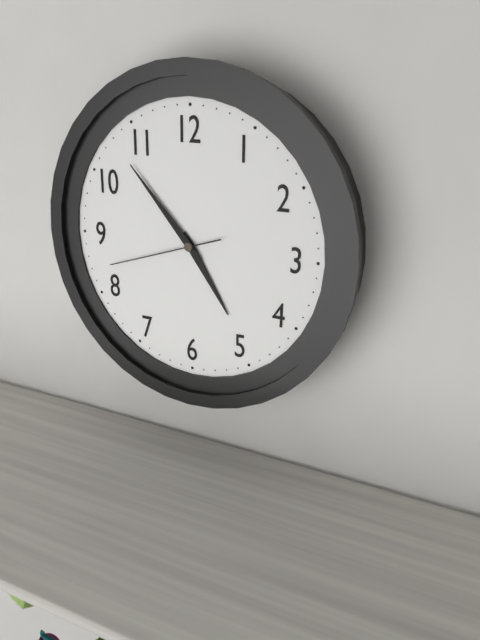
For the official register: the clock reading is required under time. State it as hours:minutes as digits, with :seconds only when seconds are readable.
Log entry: 4:53:42
